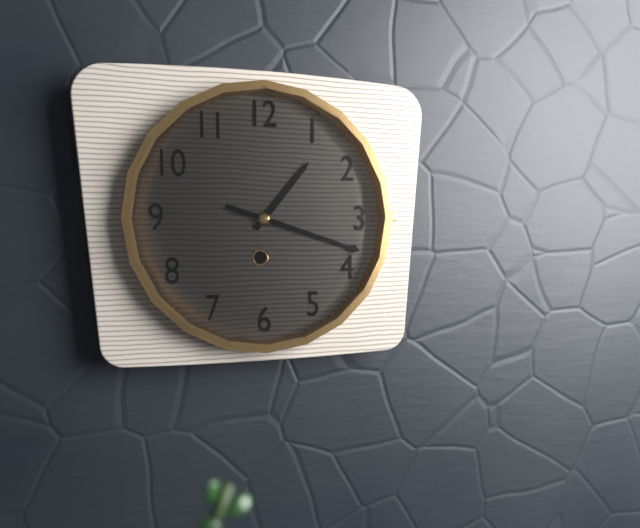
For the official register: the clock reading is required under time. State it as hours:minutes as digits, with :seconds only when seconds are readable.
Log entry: 1:18
